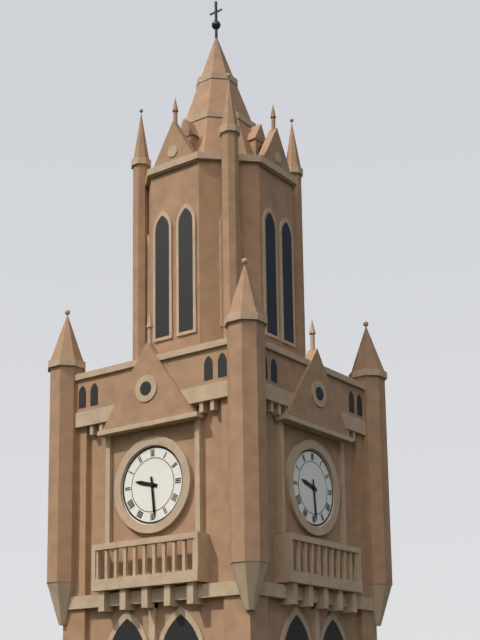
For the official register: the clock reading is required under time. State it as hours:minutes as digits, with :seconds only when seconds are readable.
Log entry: 9:29
